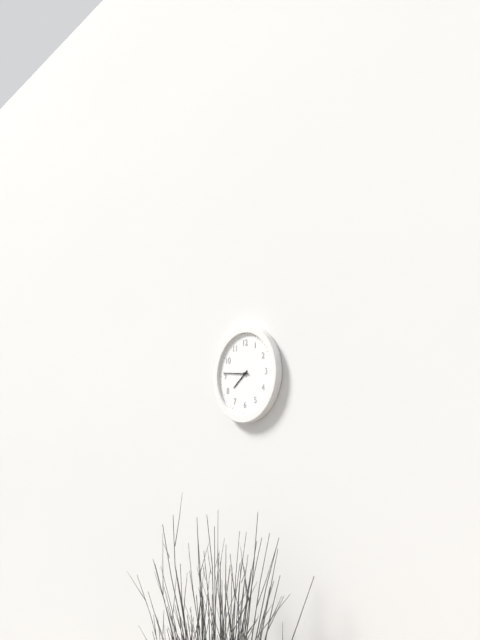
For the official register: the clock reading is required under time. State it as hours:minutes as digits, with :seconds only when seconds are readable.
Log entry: 7:46
